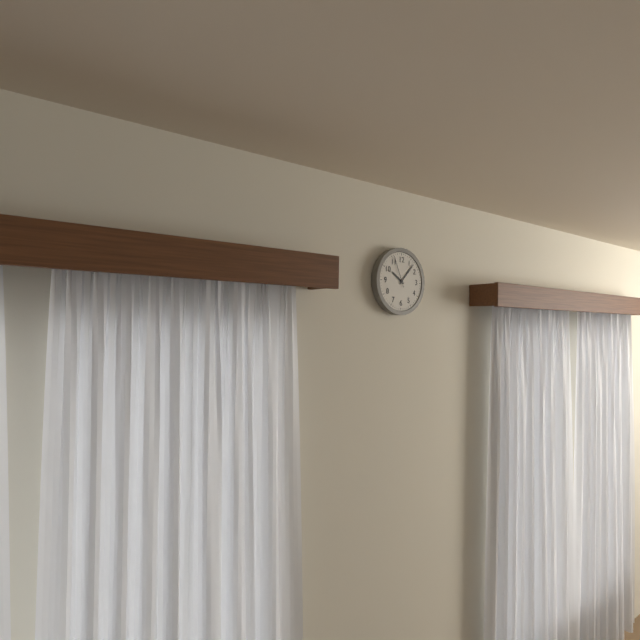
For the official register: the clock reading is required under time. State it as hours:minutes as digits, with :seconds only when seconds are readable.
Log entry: 10:07
